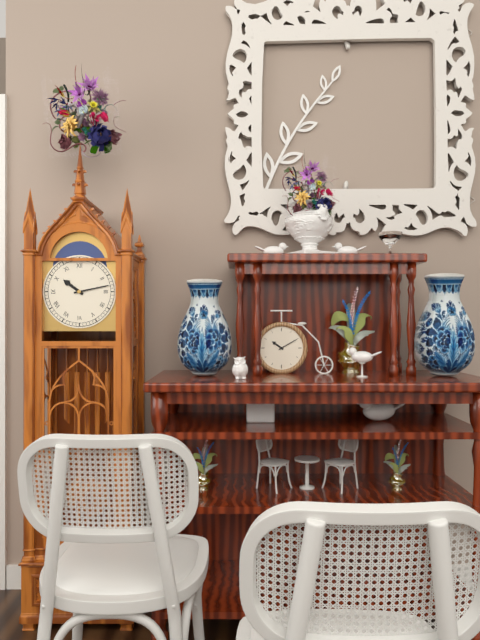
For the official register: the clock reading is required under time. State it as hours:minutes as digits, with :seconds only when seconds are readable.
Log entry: 10:13
